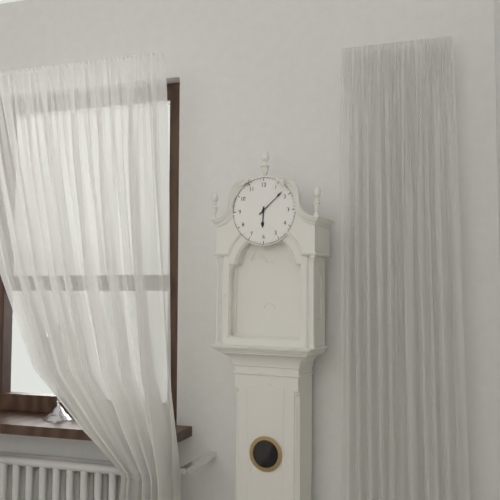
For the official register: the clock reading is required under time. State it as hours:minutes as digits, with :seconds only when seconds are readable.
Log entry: 6:08
